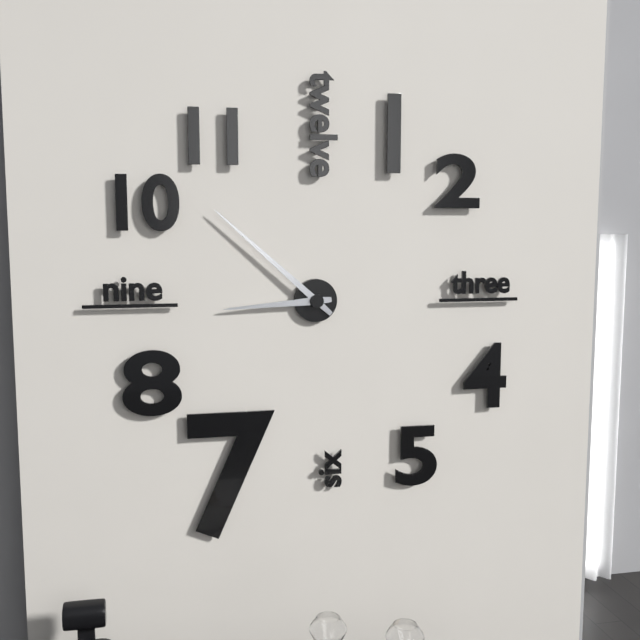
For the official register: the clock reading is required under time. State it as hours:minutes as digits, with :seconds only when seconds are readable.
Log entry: 8:52
